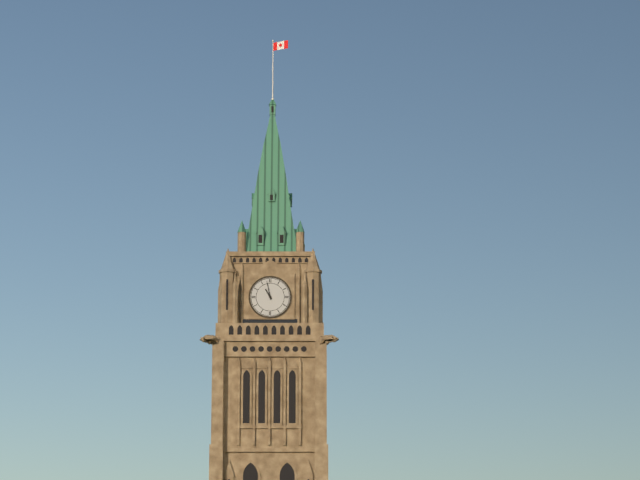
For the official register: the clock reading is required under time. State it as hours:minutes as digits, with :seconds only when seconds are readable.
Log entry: 10:58
